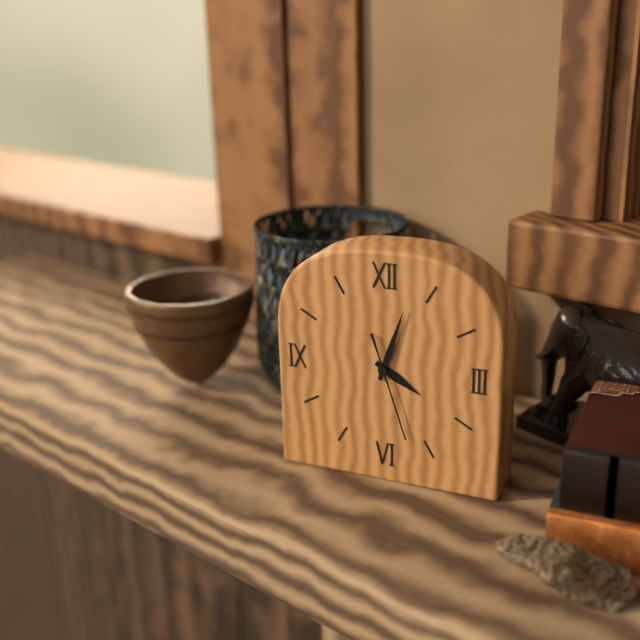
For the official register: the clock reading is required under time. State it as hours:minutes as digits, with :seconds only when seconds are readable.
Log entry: 4:03:27
